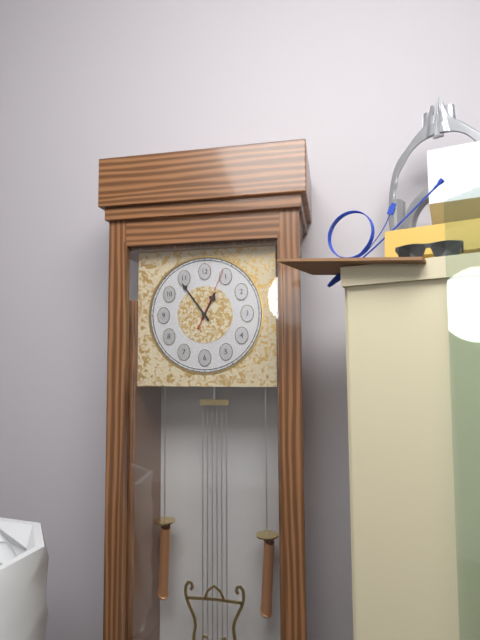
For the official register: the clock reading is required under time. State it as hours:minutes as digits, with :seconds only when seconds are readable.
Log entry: 12:54:04
